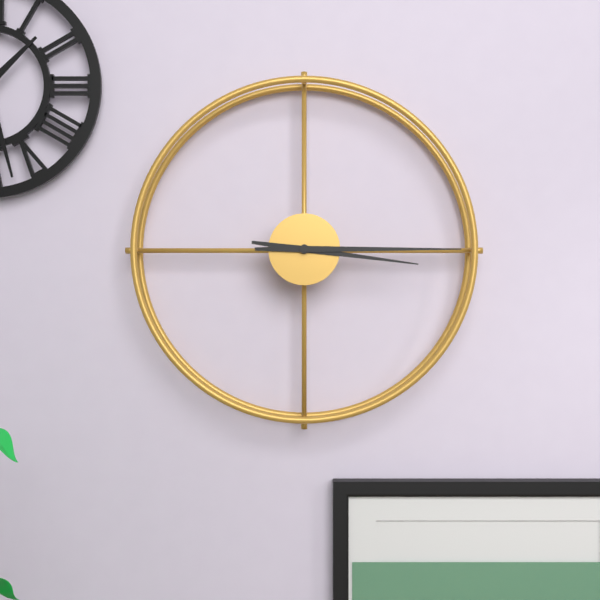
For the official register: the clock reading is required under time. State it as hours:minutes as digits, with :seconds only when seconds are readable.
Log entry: 3:15
